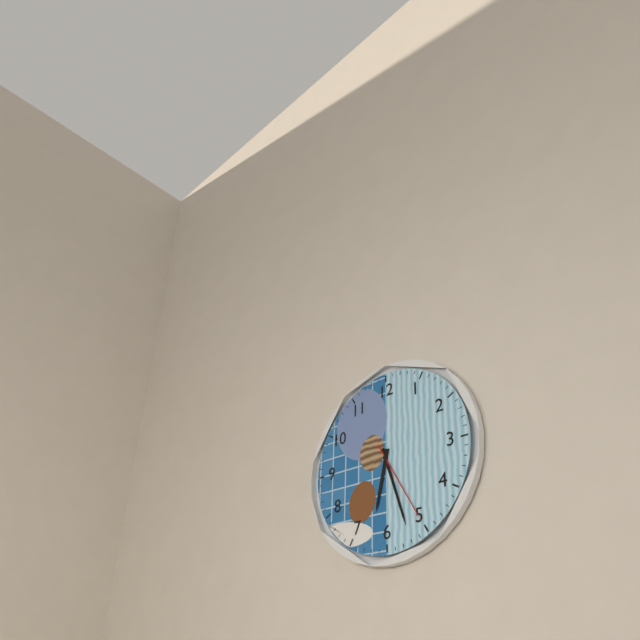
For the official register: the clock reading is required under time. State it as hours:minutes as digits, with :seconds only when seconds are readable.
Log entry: 6:27:25
